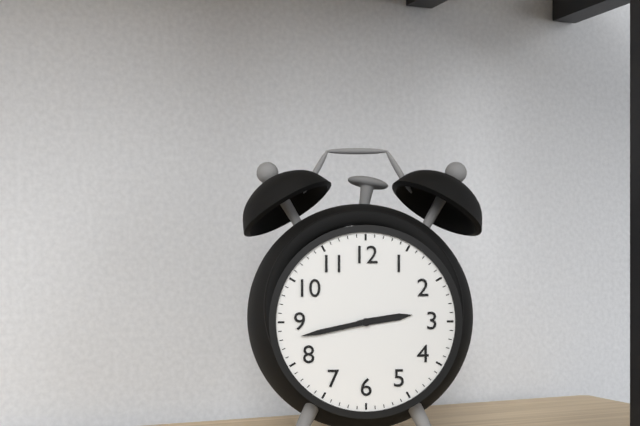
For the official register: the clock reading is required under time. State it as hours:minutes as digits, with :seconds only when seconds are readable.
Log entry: 2:43
